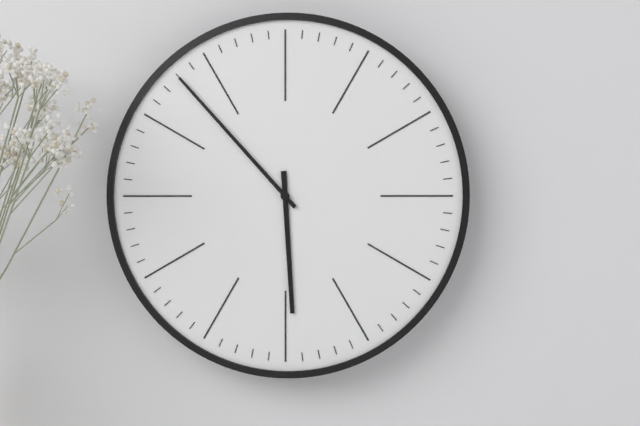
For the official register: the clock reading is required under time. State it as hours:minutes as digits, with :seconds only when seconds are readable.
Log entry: 5:53
